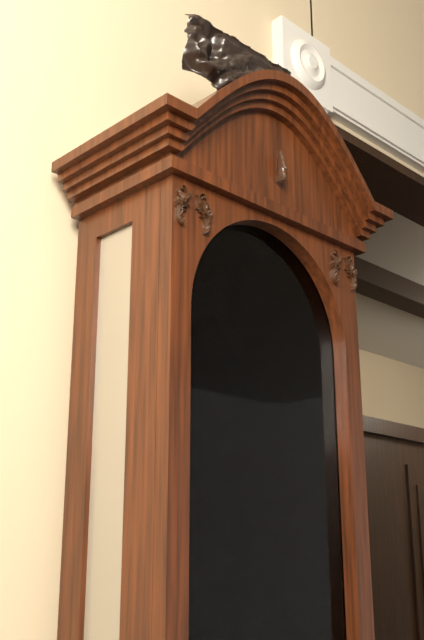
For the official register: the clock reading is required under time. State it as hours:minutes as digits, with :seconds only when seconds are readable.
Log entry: 4:03
